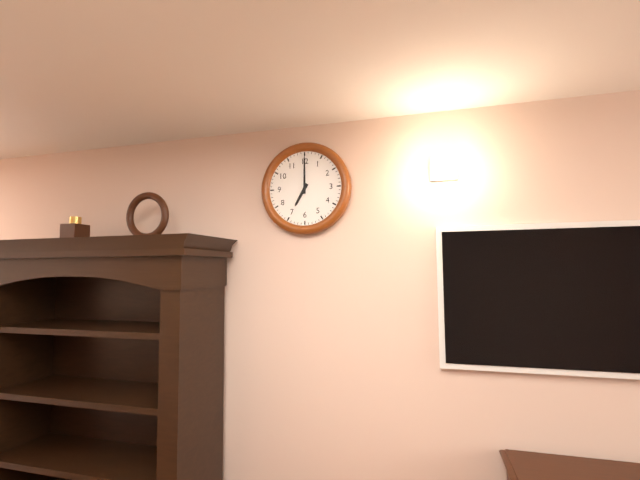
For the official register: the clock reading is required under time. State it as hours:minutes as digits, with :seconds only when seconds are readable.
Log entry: 7:00
